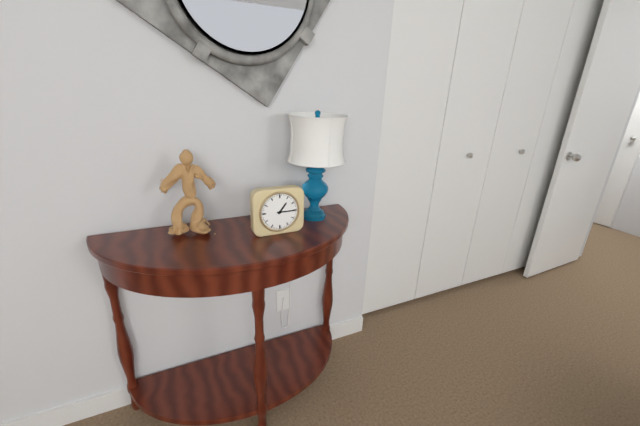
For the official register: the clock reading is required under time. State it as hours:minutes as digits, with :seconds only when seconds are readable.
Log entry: 1:15
